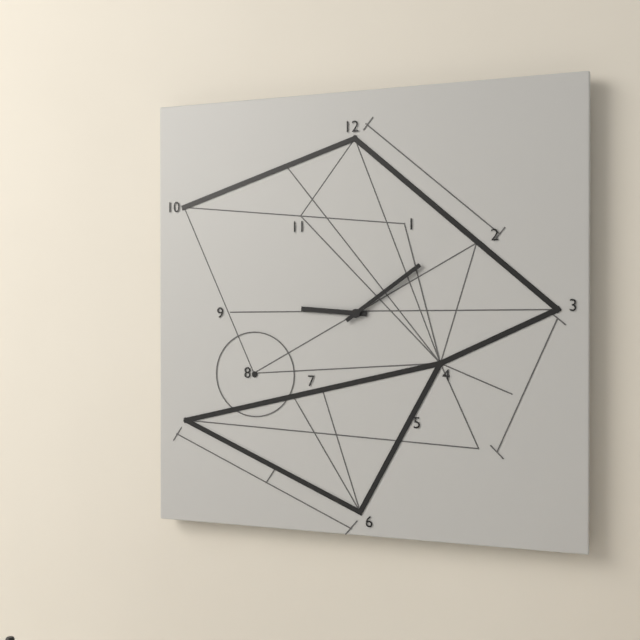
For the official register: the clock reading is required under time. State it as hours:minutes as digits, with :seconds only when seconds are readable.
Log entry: 9:09
